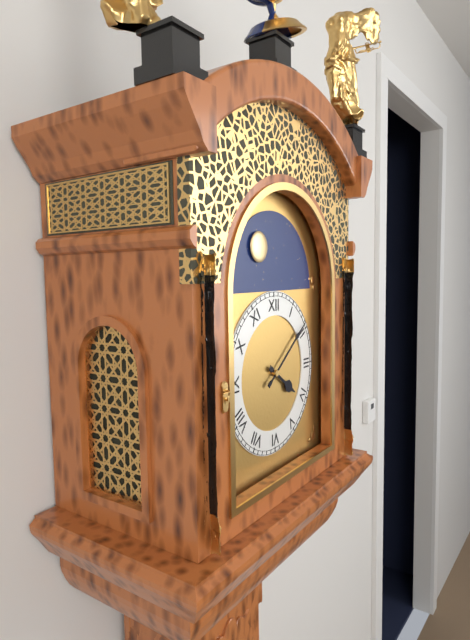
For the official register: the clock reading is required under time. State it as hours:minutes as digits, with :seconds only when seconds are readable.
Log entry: 4:09
